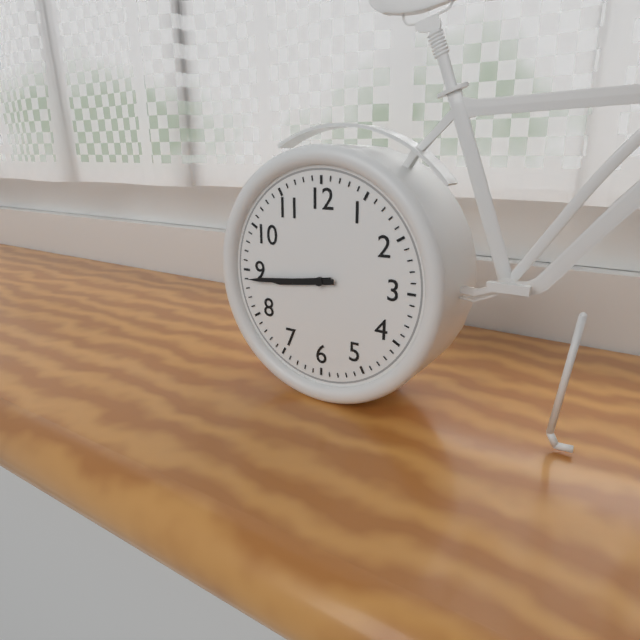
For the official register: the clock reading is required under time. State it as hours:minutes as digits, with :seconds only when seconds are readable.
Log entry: 8:44
